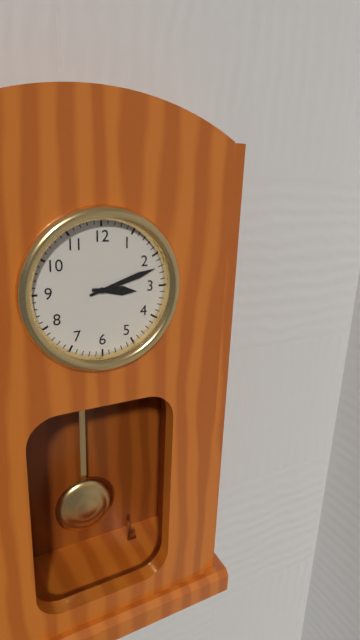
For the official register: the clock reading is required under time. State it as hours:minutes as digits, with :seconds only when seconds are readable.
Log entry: 3:12
